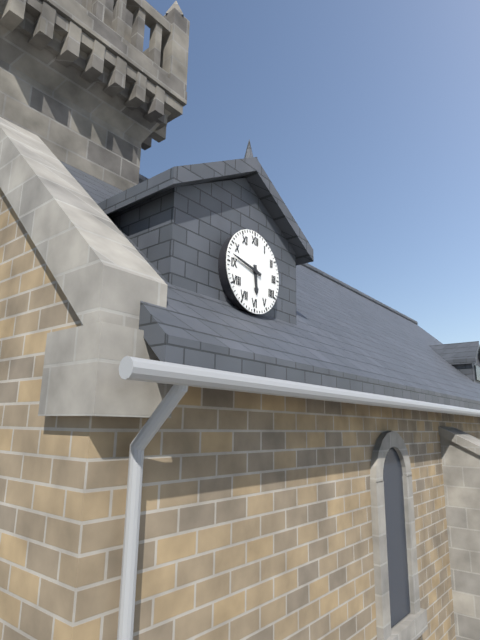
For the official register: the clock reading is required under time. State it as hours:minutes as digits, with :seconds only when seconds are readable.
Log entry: 5:47
